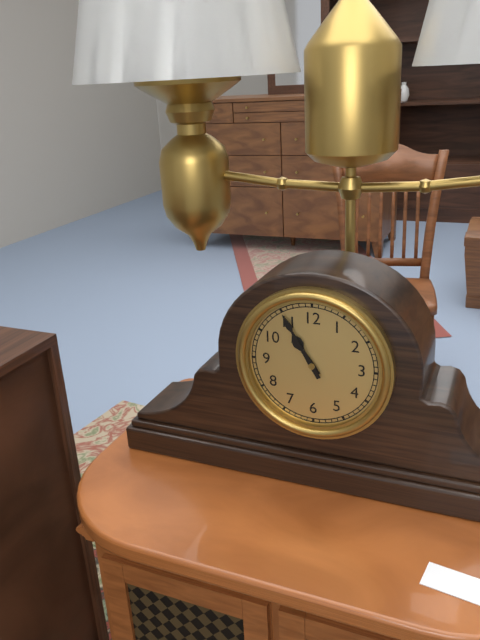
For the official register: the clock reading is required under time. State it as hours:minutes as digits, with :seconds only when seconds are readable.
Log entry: 10:55
